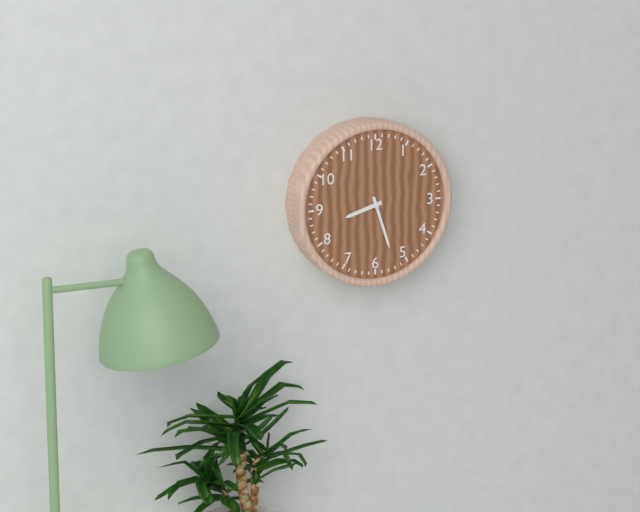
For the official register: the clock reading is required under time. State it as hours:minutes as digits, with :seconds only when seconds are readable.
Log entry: 8:27
